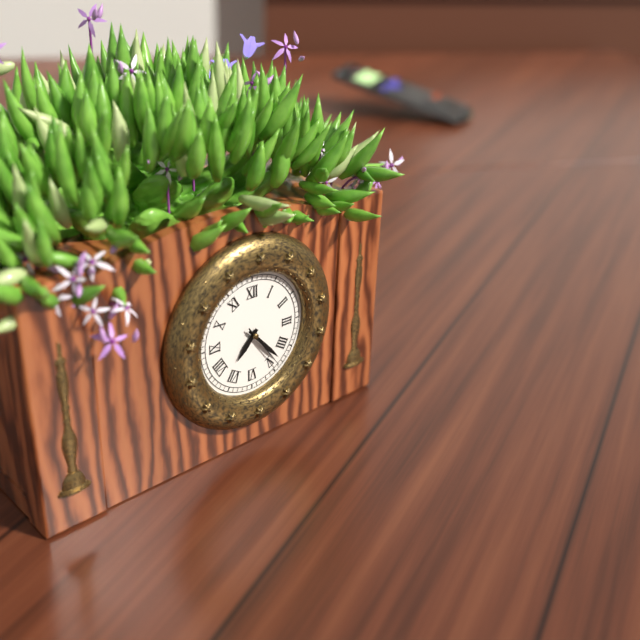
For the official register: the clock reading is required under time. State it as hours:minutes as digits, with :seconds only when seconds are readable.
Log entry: 7:23:24
